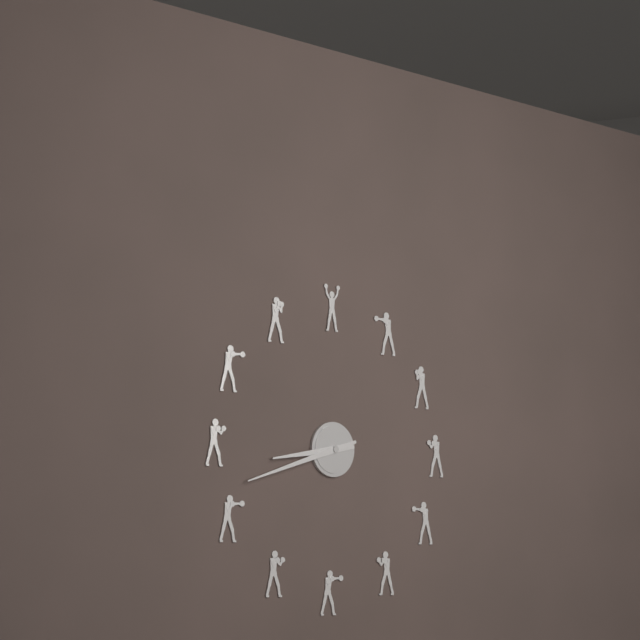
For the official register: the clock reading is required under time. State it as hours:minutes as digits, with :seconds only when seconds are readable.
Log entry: 8:42
